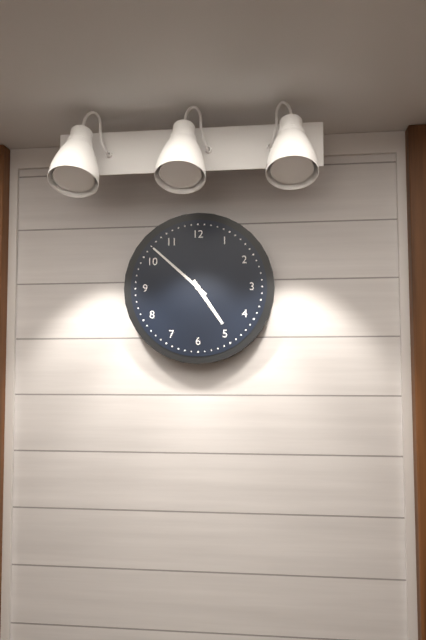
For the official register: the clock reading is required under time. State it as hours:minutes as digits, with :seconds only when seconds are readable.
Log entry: 4:52
